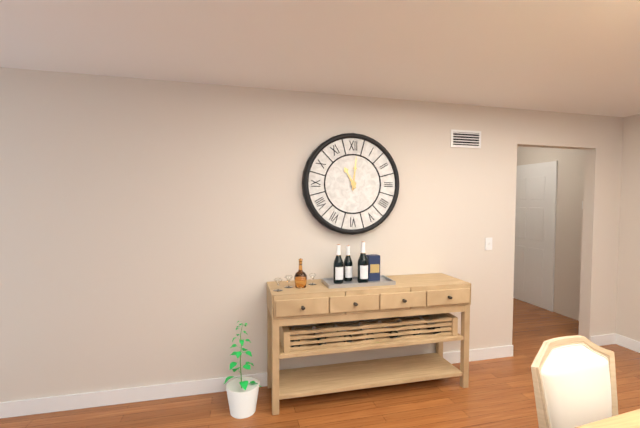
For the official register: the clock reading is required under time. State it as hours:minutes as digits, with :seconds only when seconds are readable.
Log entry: 11:01
